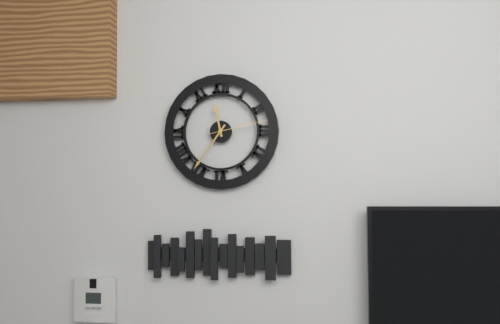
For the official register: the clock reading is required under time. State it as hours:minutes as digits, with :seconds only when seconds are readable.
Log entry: 11:36:13
